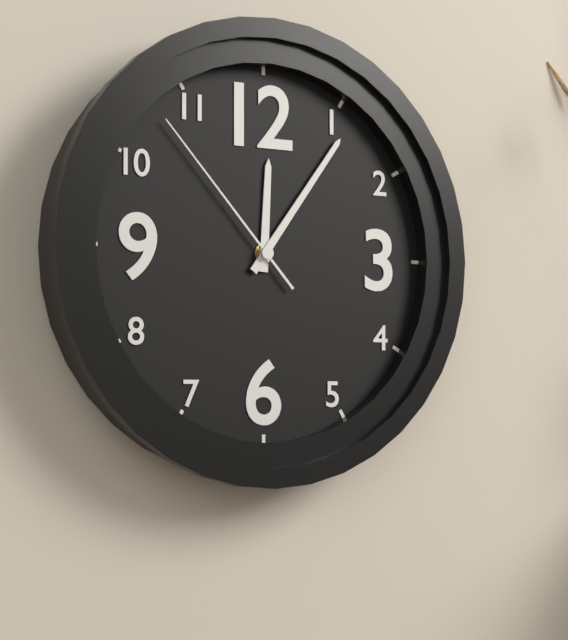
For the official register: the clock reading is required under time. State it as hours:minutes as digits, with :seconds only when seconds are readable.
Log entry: 12:06:53
